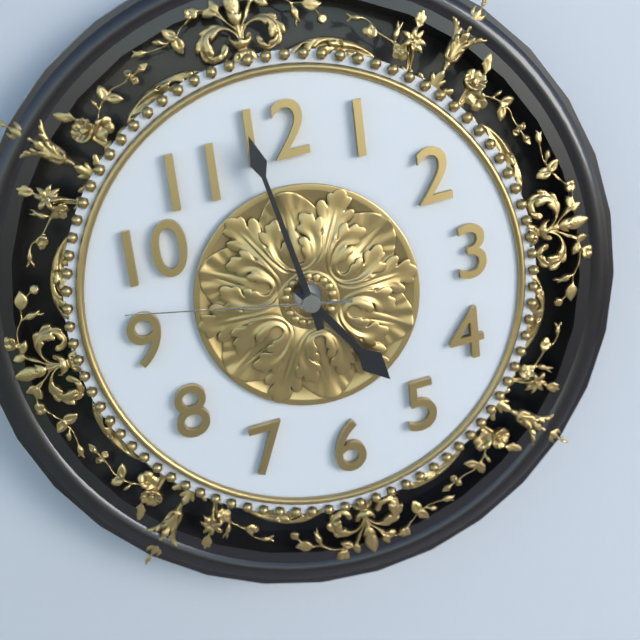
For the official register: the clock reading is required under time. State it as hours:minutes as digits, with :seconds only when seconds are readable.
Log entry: 4:59:47
